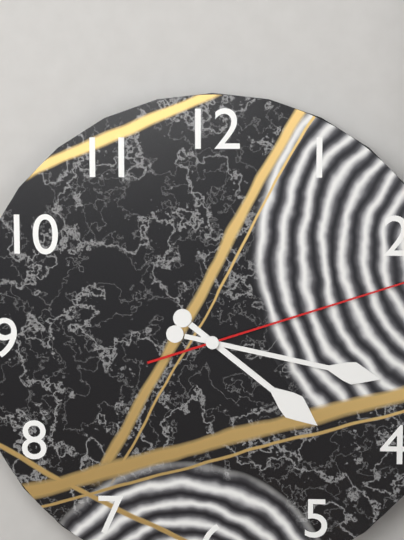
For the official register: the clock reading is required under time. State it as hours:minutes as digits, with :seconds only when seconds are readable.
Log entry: 4:17
